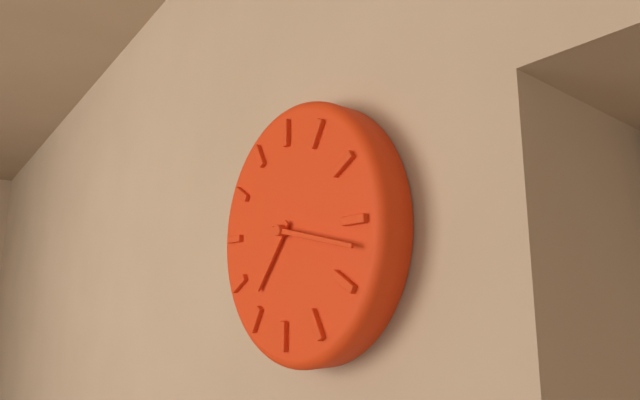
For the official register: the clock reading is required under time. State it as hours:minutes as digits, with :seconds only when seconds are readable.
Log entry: 7:17
